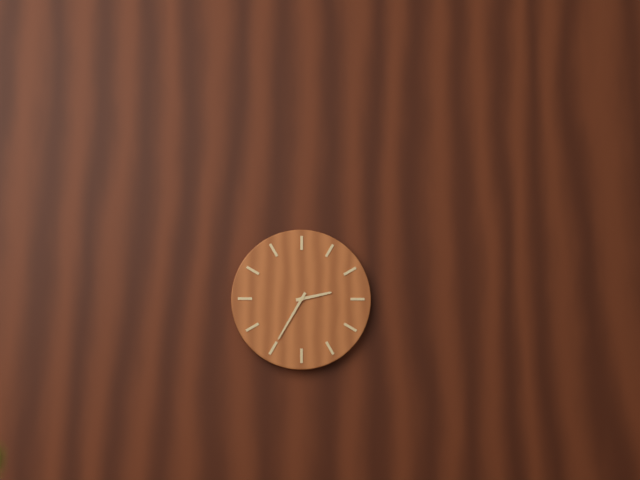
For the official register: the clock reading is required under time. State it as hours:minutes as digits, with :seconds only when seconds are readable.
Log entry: 2:35
